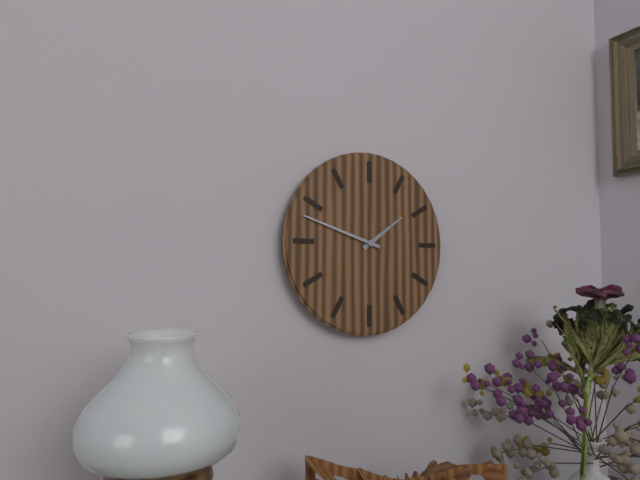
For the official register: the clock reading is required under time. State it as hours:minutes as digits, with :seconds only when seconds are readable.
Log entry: 1:48
